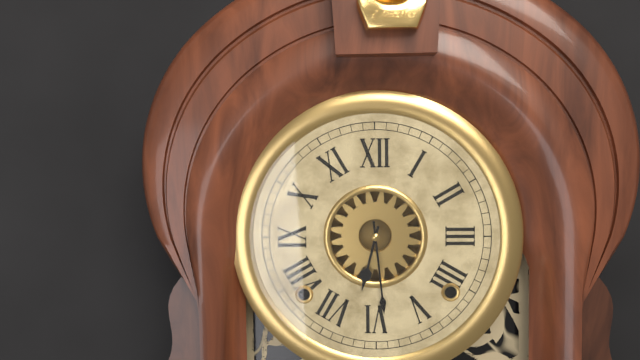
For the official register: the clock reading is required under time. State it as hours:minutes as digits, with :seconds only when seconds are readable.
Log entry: 6:29
